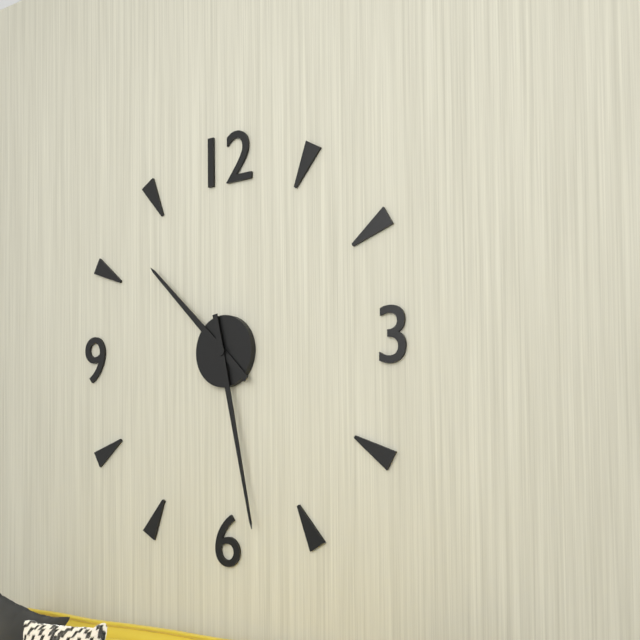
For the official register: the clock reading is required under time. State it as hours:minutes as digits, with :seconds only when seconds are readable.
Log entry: 10:28
